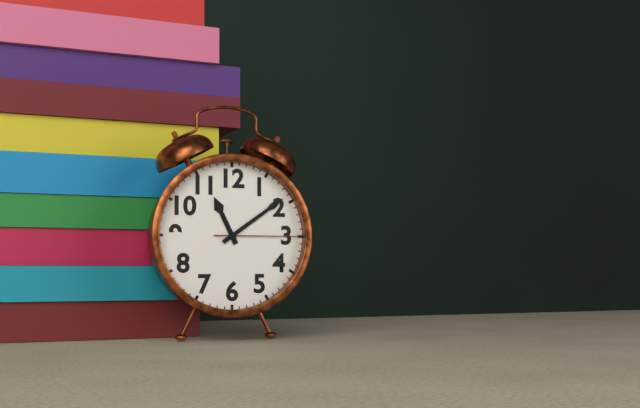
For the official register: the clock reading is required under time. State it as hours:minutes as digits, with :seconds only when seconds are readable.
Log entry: 11:09:15
